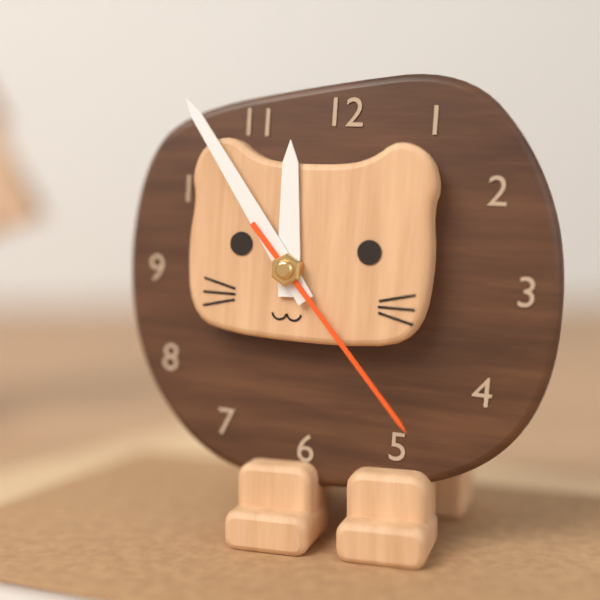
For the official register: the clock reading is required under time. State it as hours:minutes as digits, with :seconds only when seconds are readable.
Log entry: 11:54:23
